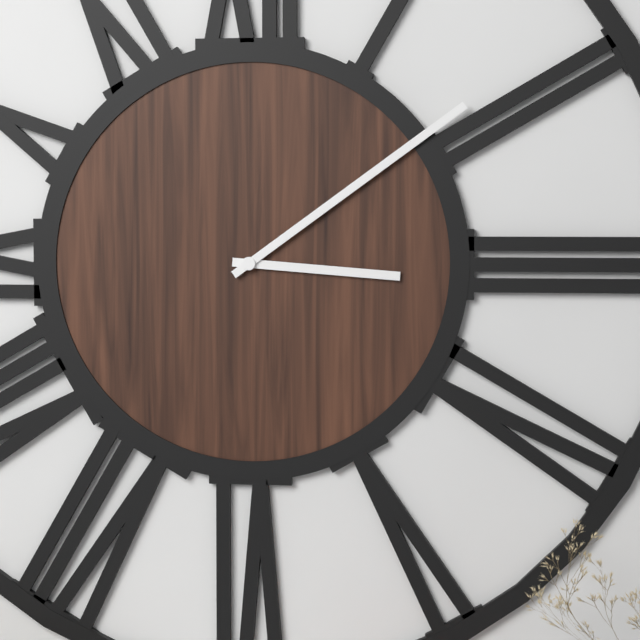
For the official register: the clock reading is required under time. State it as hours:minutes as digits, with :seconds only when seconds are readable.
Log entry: 3:09
